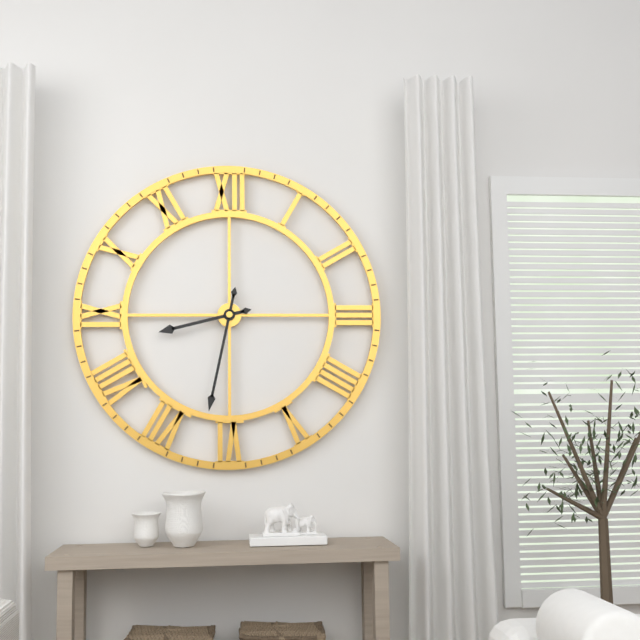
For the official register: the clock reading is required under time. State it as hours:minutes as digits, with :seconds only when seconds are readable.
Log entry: 8:32
